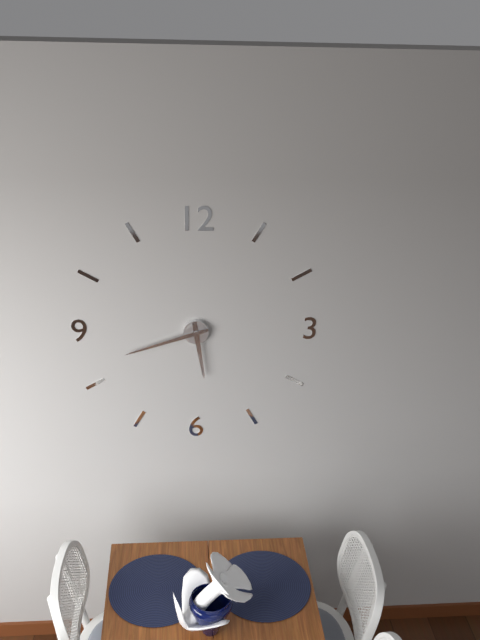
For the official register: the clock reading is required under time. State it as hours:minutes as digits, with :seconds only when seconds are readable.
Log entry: 5:42
